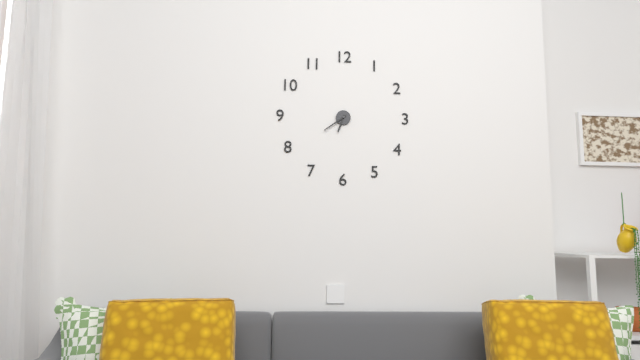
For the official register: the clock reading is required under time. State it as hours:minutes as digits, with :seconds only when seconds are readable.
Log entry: 6:39
